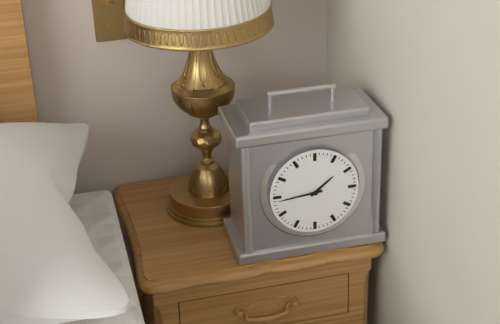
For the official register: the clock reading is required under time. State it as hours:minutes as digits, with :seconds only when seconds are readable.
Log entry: 1:44
